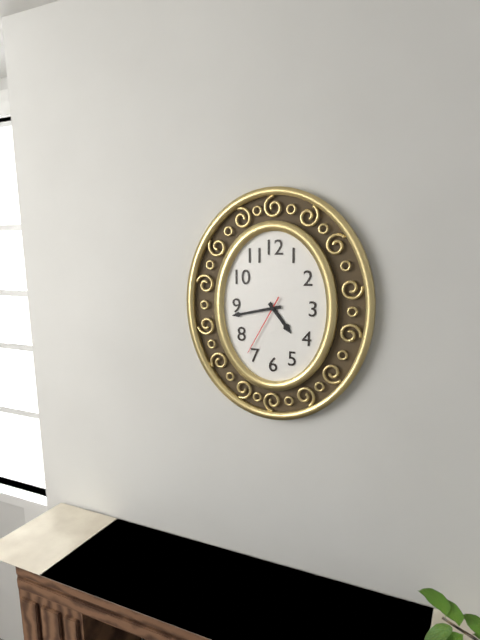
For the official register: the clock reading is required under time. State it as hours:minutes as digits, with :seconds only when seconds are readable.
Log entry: 4:43:35
